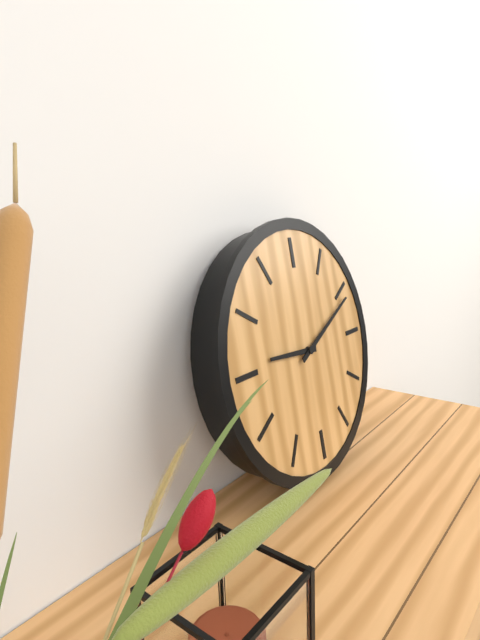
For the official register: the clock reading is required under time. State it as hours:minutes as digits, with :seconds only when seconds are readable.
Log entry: 9:11
